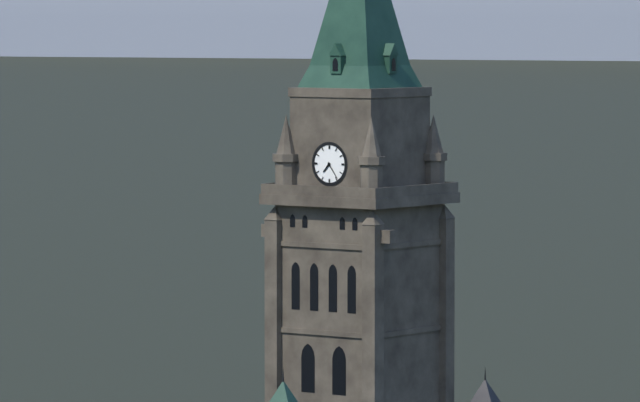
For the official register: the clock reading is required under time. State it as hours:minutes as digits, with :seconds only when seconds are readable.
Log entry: 7:24
